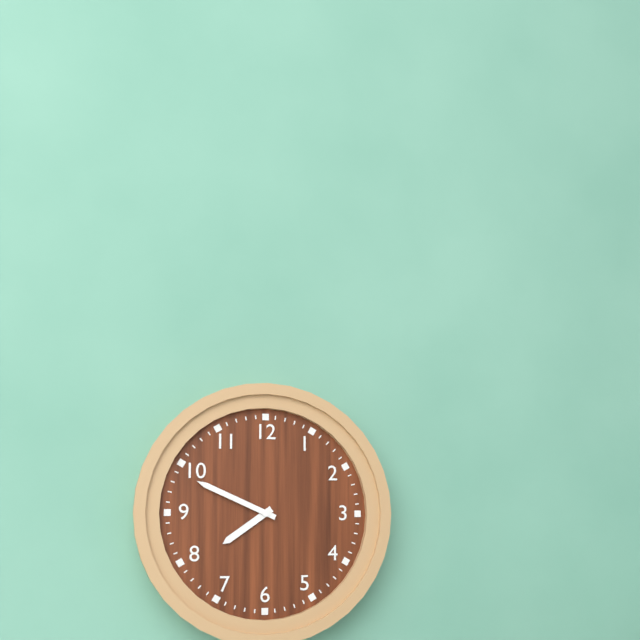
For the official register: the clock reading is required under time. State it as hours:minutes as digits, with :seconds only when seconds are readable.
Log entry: 7:49
